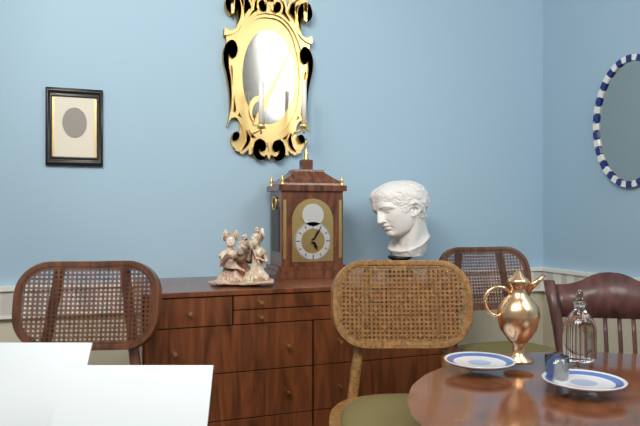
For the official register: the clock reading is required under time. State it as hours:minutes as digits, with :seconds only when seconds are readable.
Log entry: 5:05
